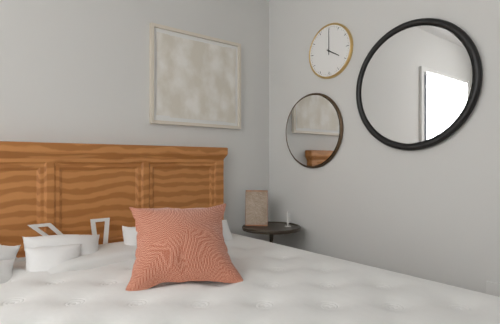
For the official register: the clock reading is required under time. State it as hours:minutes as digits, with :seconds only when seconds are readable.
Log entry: 4:00
